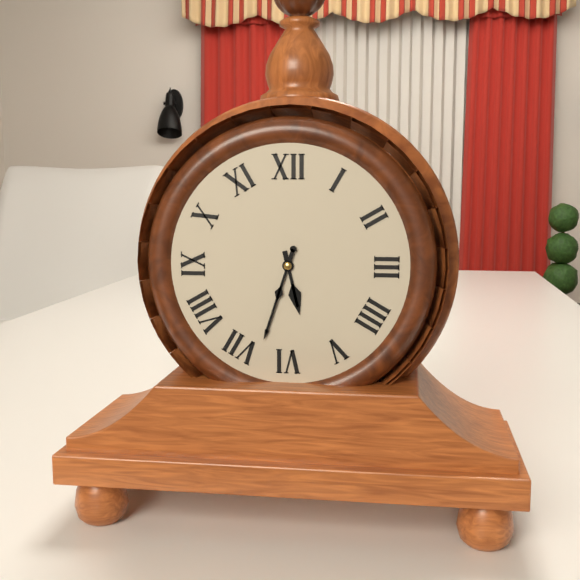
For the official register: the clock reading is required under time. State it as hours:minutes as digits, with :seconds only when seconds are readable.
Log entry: 5:33
